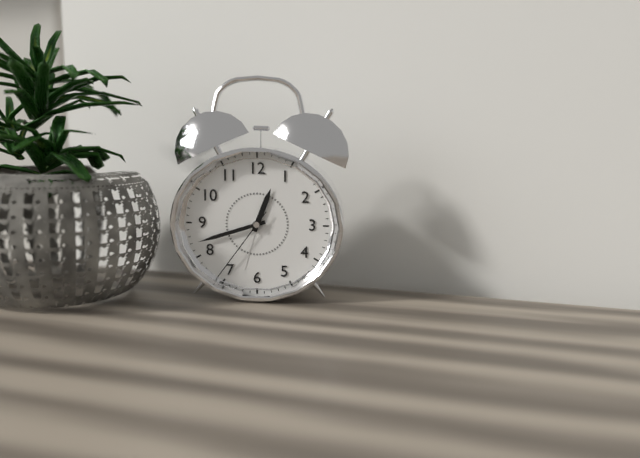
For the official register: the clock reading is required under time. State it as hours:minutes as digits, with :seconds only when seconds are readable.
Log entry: 12:42:36
